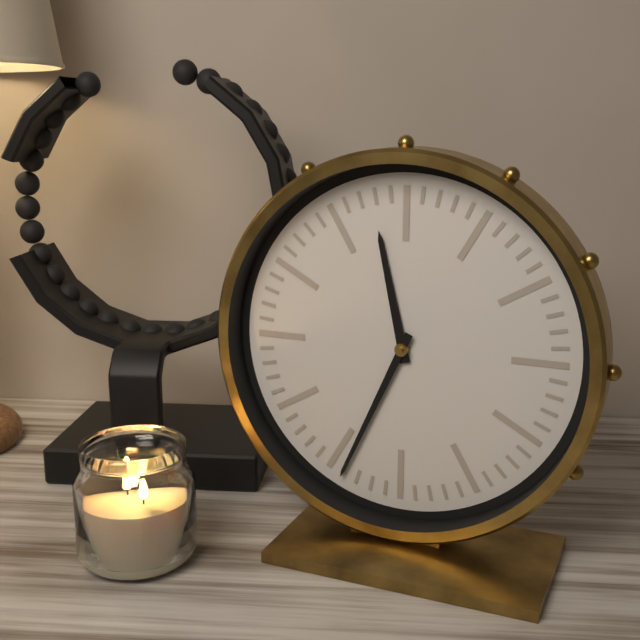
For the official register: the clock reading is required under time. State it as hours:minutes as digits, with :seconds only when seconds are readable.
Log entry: 11:34
